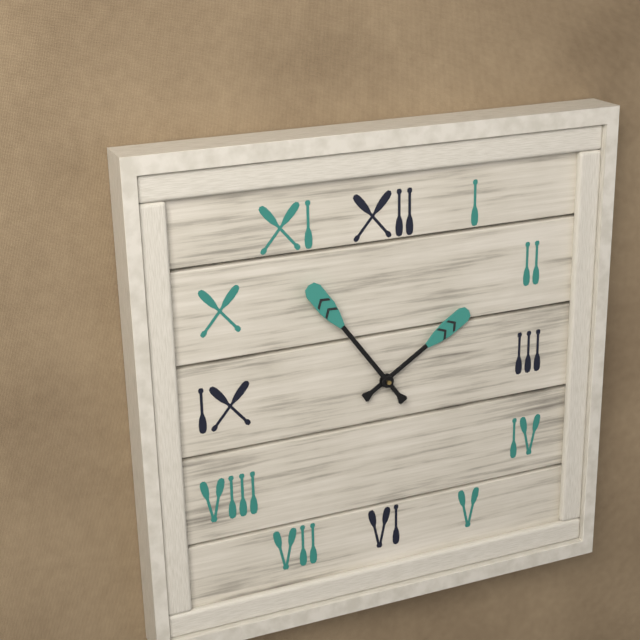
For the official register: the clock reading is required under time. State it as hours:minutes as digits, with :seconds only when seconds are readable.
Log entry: 1:54
